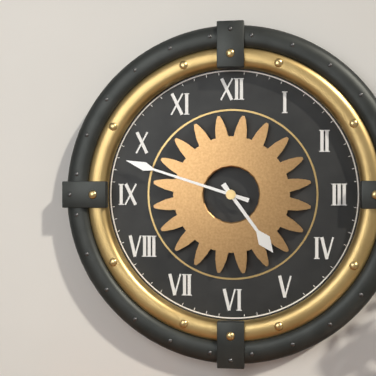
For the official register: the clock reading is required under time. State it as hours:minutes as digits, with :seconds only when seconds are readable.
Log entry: 4:48
